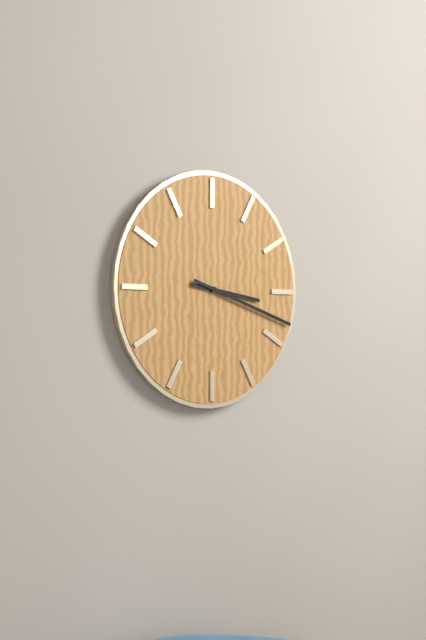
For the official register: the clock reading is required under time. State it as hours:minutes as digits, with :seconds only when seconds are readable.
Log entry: 3:18
